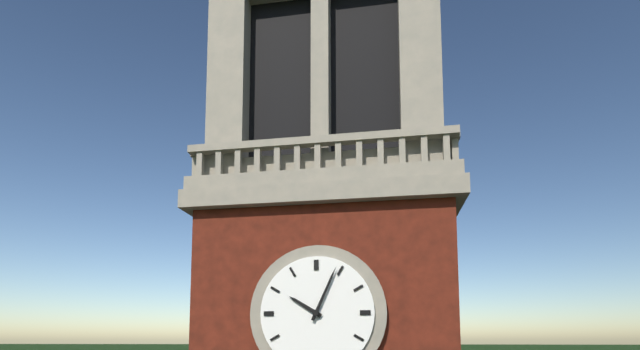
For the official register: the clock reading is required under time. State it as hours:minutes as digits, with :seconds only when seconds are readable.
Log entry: 10:04
